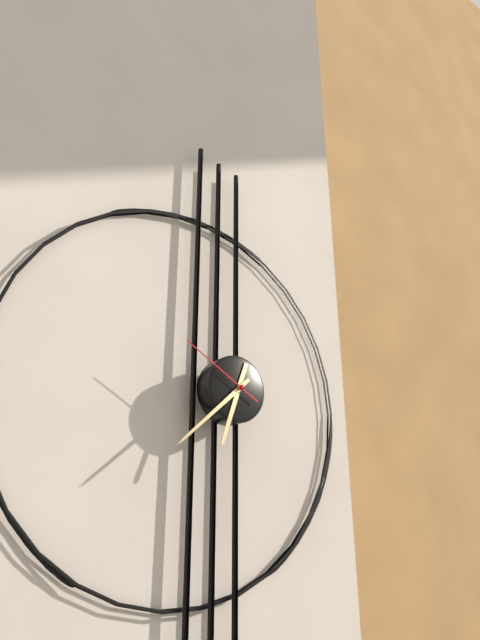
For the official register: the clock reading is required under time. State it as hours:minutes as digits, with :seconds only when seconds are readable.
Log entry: 6:38:50
